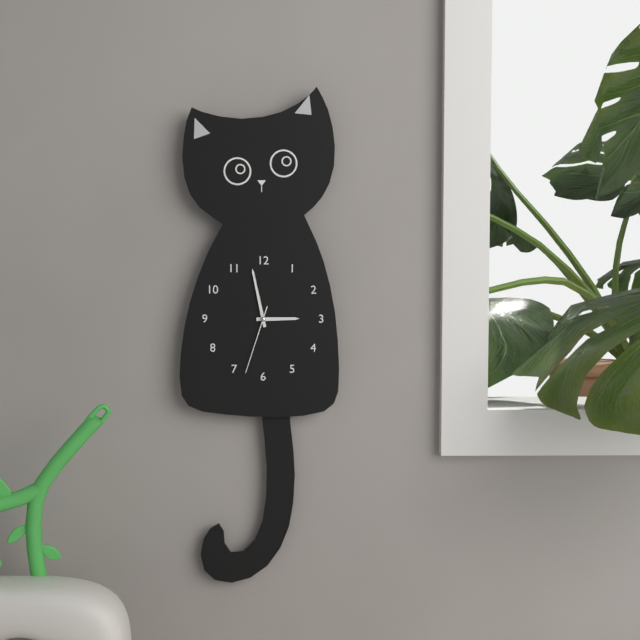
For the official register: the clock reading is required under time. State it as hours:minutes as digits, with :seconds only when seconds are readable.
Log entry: 2:58:33
